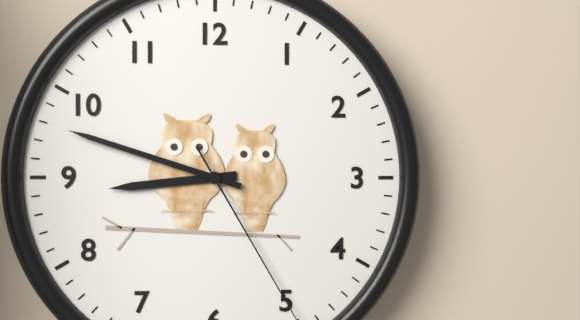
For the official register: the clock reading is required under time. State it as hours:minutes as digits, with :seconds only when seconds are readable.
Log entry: 8:48:25
